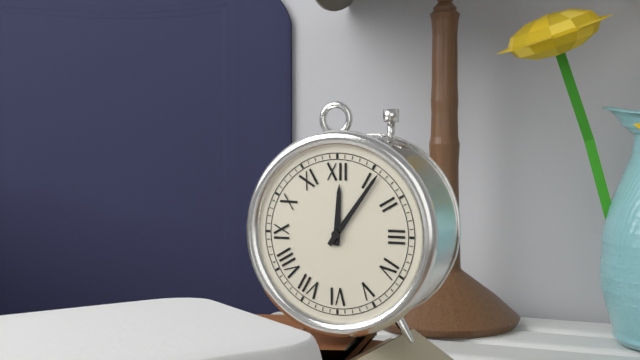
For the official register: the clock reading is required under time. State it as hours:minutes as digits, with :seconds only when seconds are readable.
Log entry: 12:06
